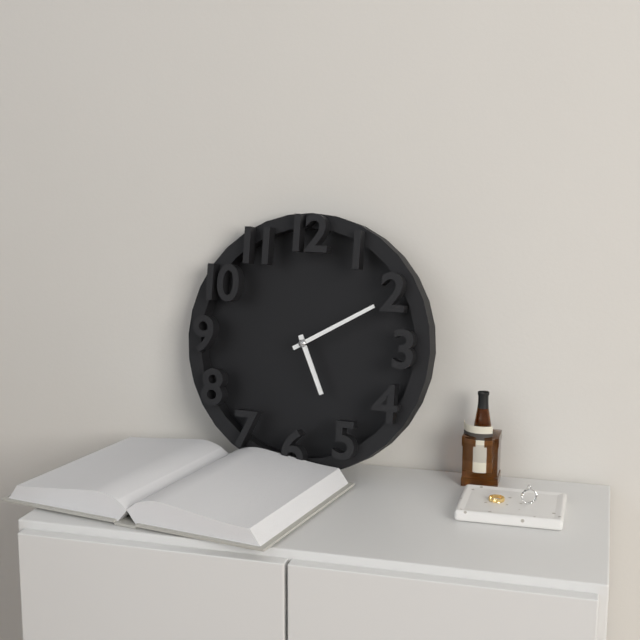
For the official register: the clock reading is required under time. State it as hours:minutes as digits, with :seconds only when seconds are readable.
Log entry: 5:10
